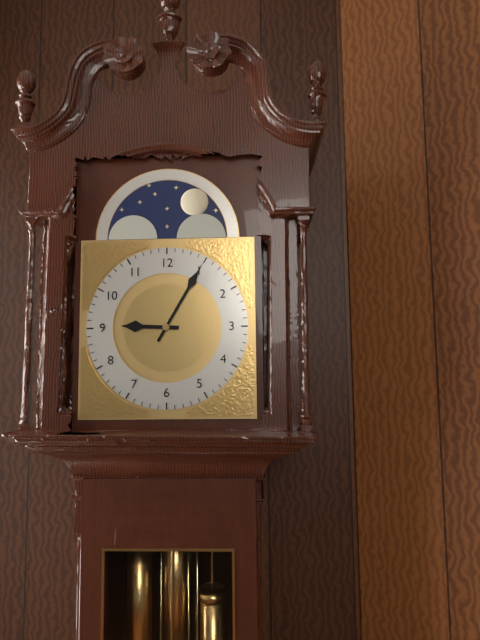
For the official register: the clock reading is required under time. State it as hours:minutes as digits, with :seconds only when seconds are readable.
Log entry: 9:05
